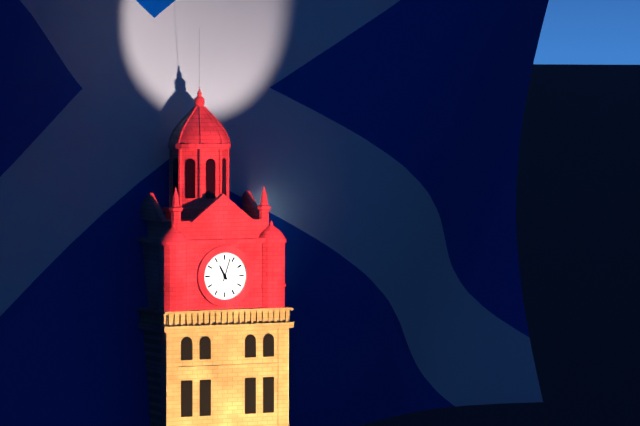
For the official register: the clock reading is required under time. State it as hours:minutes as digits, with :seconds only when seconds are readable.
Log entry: 11:03
